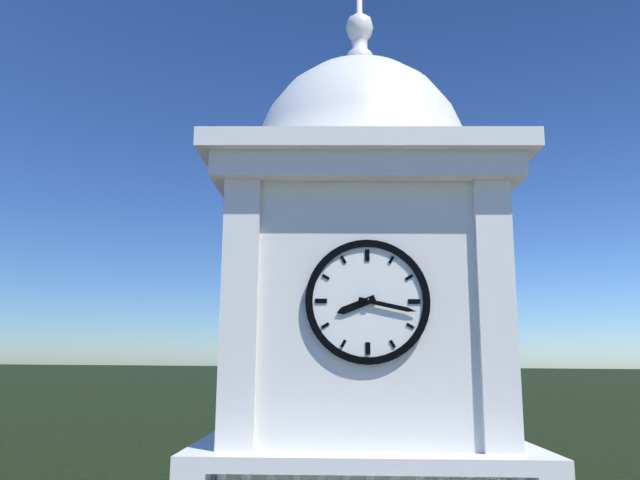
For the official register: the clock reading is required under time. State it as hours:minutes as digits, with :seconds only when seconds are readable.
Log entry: 8:17
